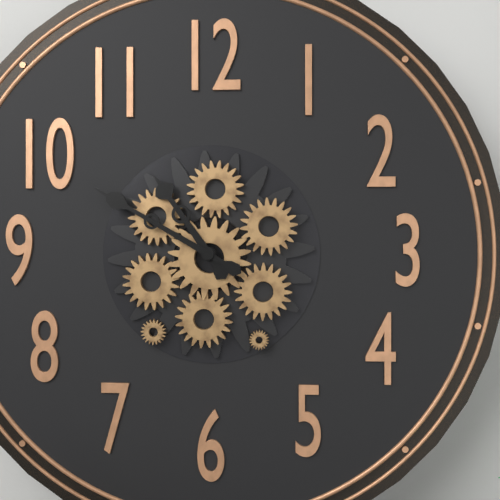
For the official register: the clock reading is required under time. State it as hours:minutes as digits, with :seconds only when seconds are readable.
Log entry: 10:50
